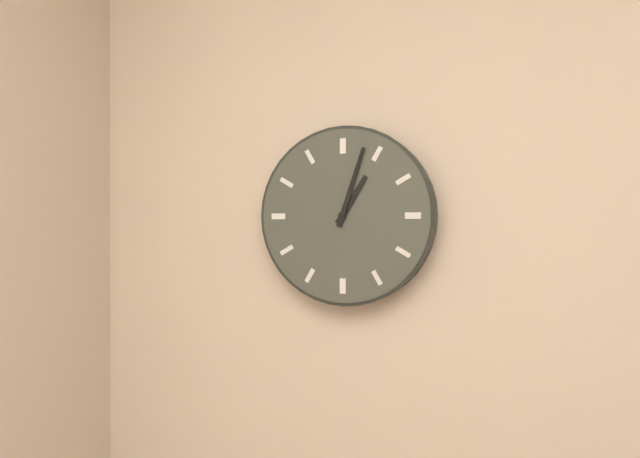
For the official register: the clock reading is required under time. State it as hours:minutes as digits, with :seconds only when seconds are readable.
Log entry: 1:03
